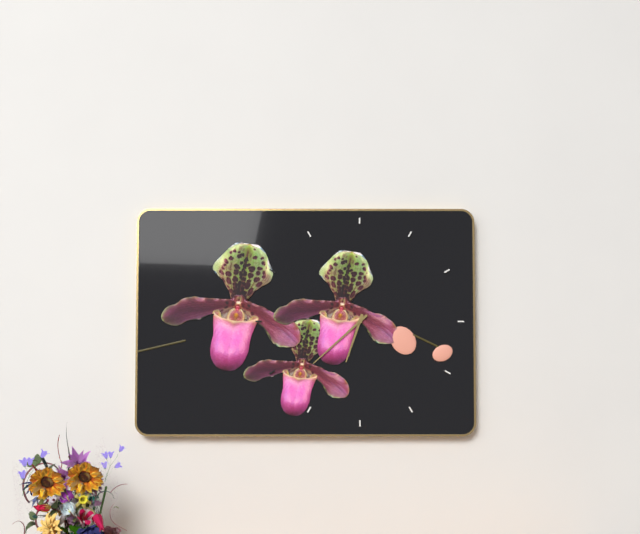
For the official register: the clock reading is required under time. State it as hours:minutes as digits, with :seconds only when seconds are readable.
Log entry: 6:38
